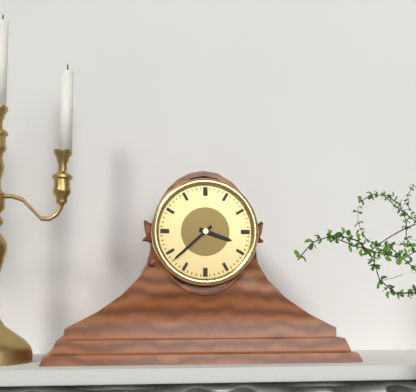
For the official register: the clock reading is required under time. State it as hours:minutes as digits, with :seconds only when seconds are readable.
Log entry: 3:38
